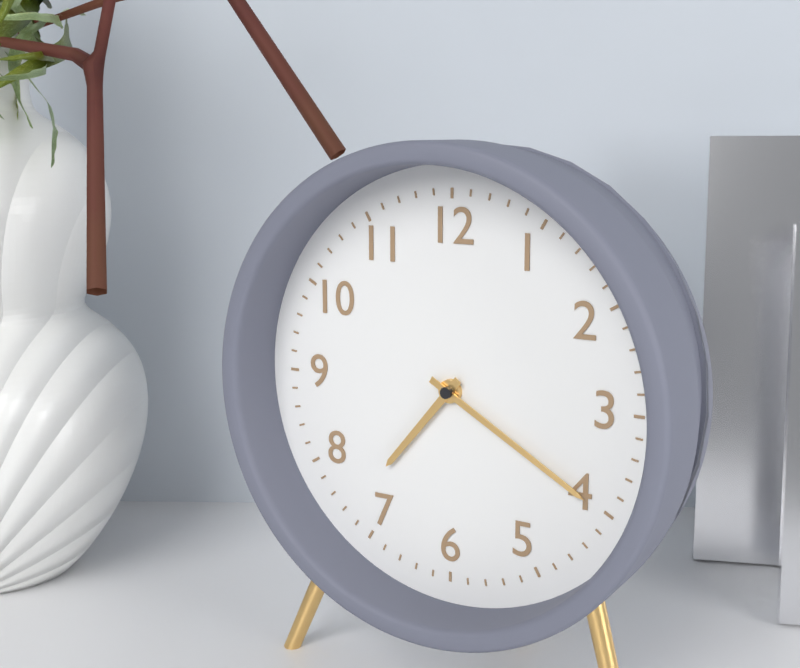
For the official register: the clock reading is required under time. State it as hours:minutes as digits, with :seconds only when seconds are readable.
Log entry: 7:20
